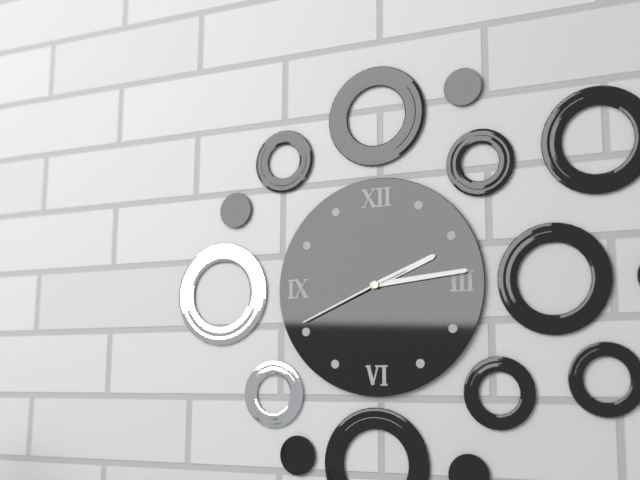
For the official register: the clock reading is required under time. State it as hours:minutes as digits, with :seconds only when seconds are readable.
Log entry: 2:14:41
